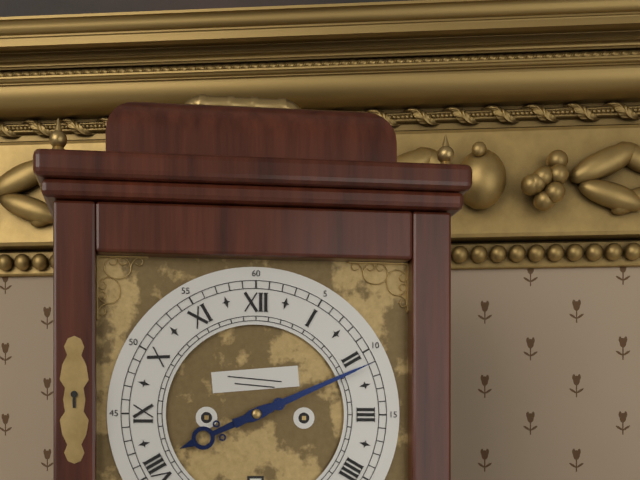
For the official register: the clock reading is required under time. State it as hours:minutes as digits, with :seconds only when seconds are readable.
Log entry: 8:11
